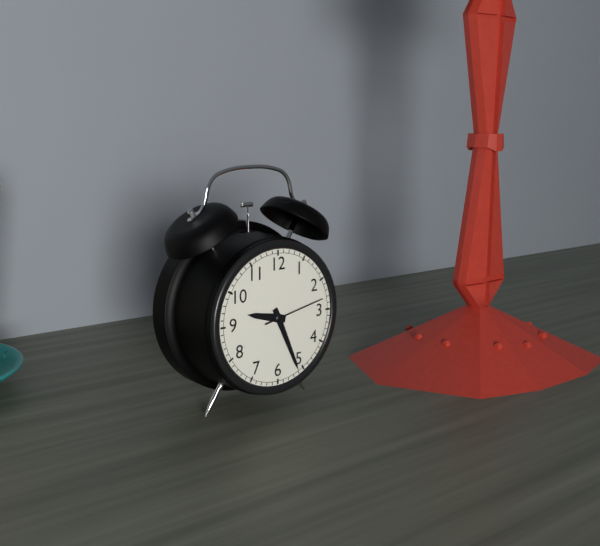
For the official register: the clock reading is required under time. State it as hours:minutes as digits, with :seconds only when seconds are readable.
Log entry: 9:26:13
